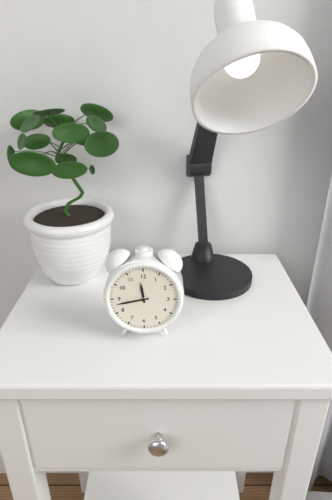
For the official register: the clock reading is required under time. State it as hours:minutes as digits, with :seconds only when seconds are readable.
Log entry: 11:43
